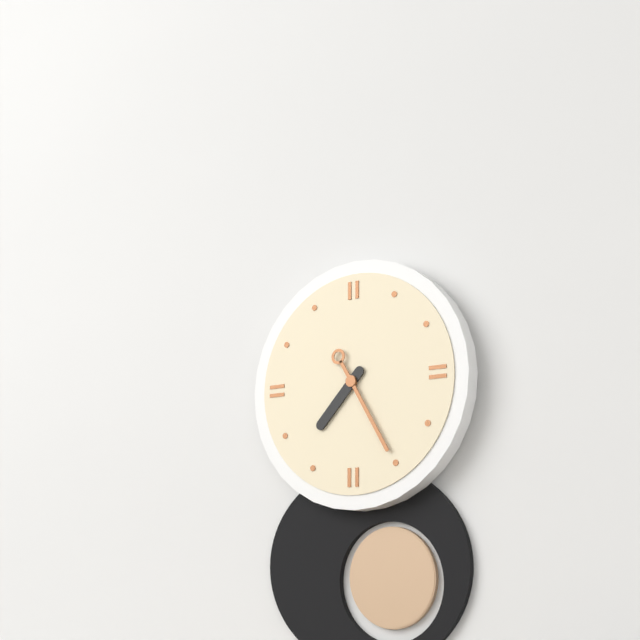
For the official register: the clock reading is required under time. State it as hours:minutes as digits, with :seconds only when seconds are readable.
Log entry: 7:25
